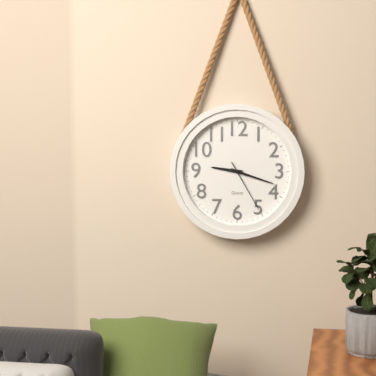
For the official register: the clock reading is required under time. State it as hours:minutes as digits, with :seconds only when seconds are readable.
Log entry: 9:18:25
